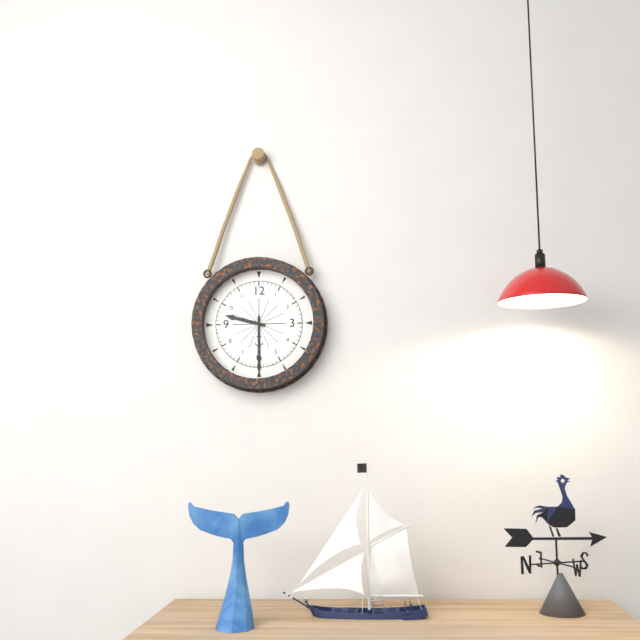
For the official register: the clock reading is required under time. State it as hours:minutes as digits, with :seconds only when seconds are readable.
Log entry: 9:30
